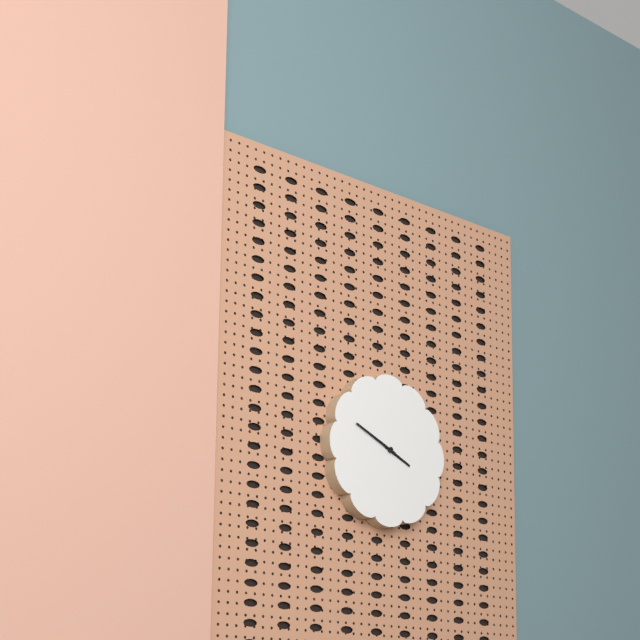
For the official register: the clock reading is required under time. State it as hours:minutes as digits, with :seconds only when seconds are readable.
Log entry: 3:49
